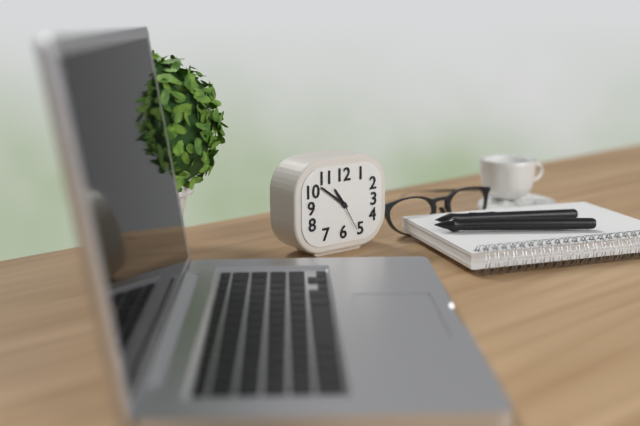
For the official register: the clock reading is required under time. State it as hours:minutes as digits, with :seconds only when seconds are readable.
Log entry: 10:51
